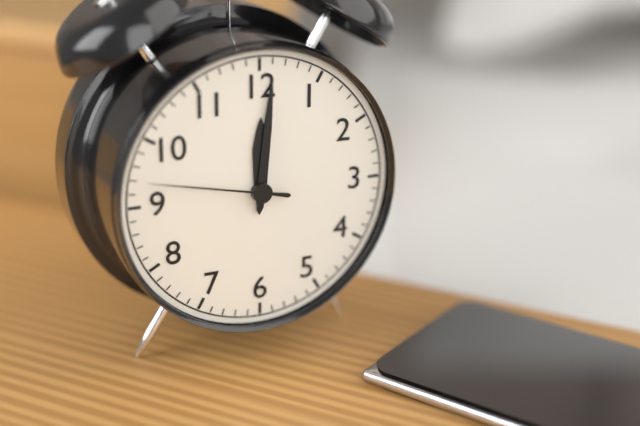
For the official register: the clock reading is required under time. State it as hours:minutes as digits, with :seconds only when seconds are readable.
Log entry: 12:01:47
